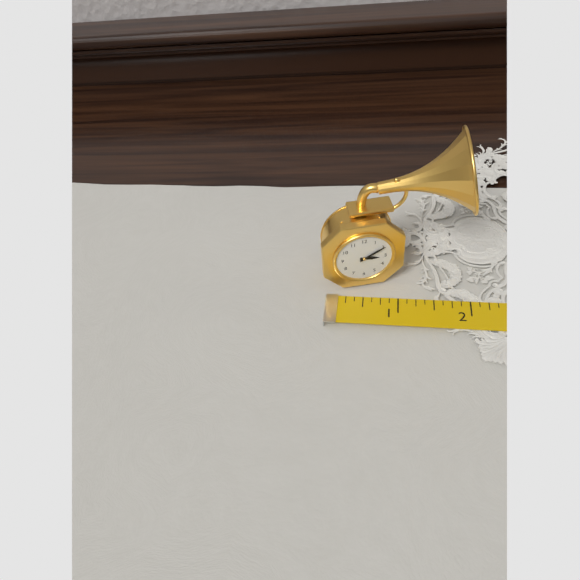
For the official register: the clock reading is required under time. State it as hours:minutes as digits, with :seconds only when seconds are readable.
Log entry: 3:10
